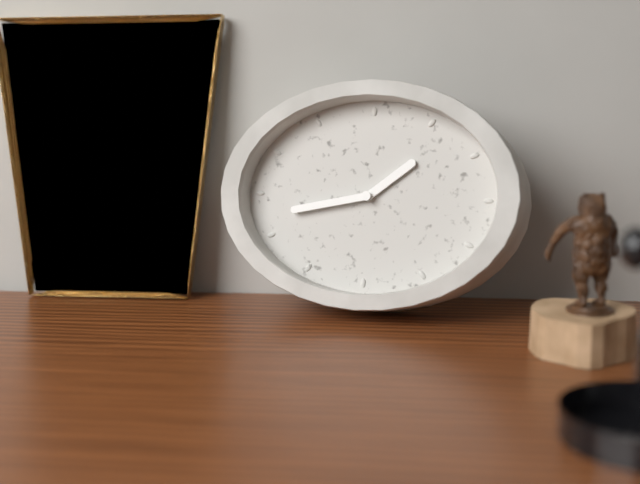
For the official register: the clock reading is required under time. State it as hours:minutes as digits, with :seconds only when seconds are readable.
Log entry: 1:43
